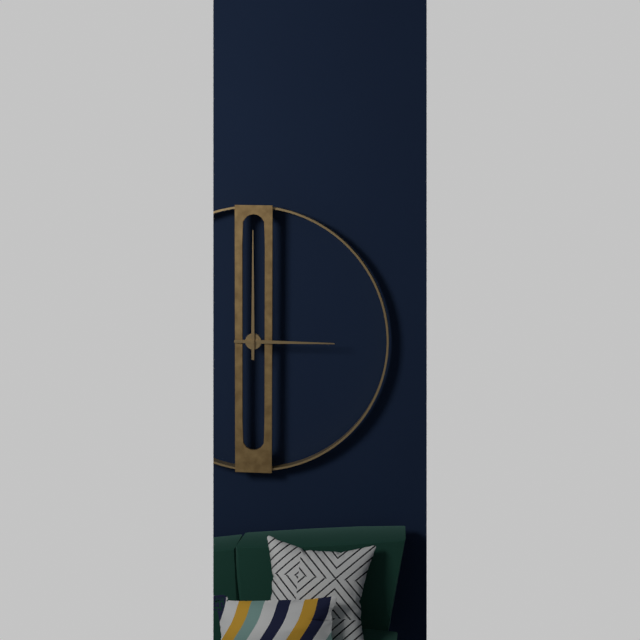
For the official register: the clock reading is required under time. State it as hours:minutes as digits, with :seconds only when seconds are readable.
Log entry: 3:00
